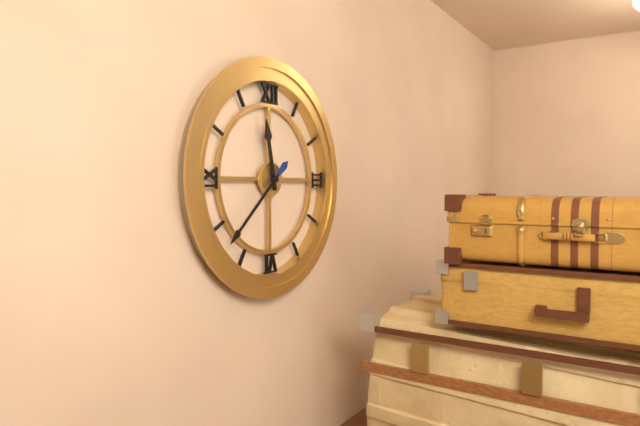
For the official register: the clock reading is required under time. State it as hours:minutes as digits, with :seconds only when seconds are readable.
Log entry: 11:38
